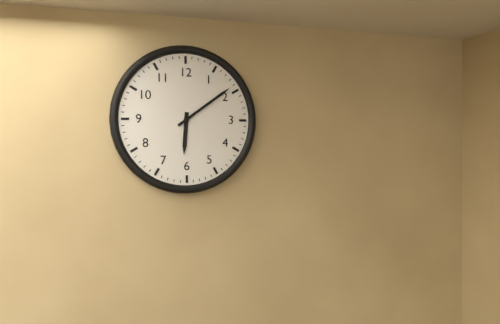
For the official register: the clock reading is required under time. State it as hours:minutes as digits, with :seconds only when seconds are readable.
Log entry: 6:09
